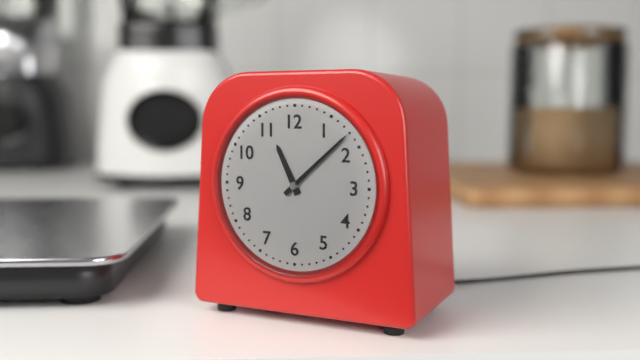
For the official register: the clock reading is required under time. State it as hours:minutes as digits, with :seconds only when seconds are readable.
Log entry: 11:08
